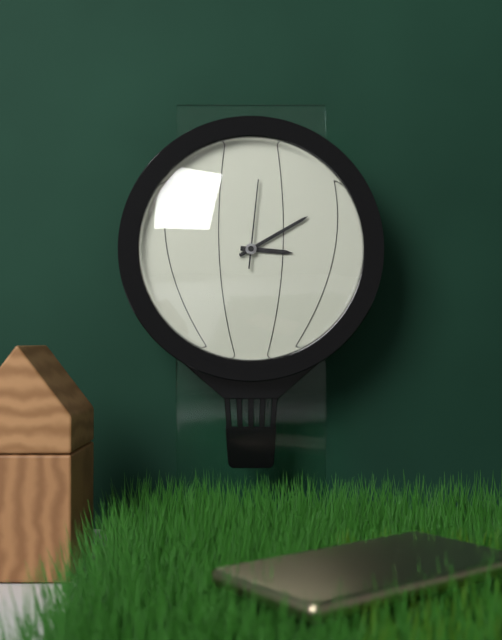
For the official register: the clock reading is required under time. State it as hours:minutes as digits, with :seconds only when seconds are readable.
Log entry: 3:10:01
